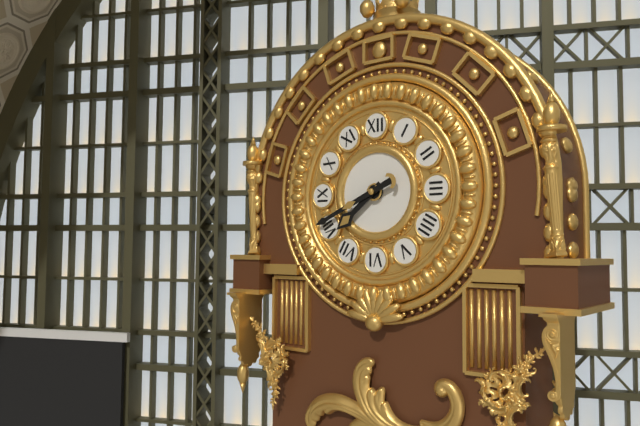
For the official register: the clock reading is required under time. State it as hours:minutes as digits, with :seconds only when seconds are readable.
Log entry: 7:41
